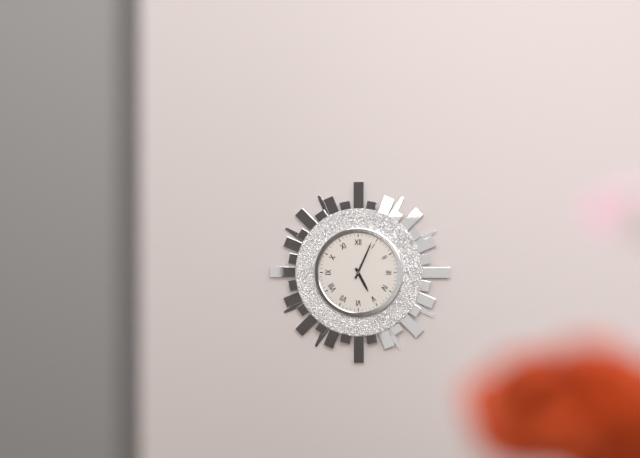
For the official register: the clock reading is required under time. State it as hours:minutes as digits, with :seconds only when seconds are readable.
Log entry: 5:04
